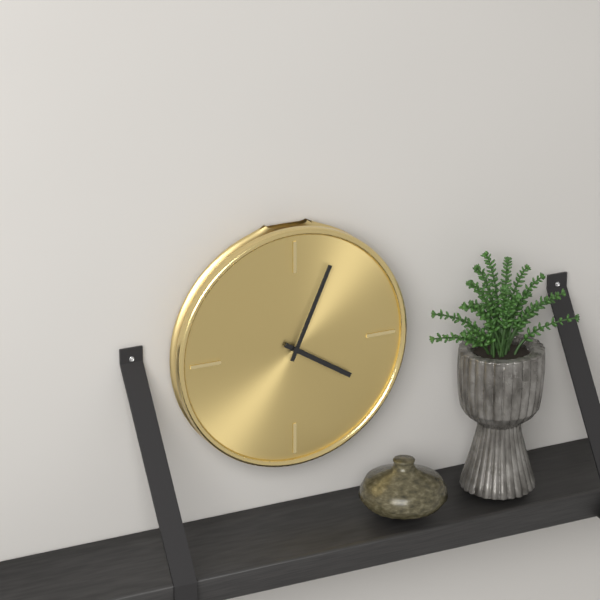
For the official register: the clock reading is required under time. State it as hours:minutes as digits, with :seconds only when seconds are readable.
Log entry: 4:04
